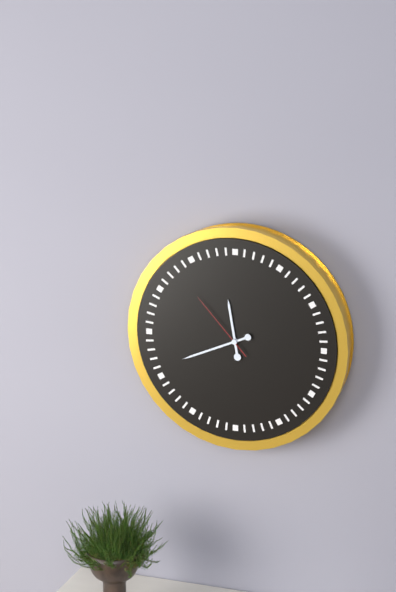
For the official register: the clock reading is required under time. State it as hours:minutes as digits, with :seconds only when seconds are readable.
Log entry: 11:41:53
